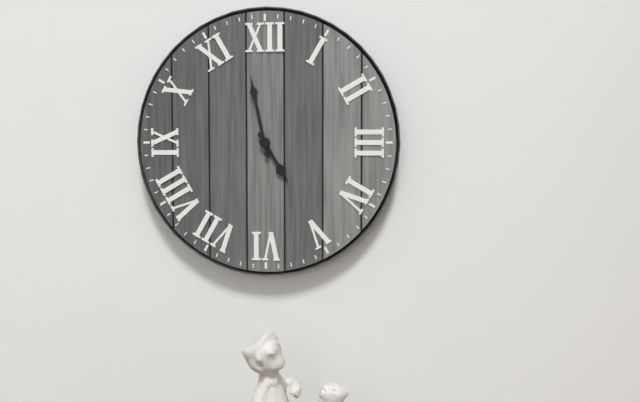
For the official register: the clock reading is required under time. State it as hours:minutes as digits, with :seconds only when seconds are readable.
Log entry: 4:58
